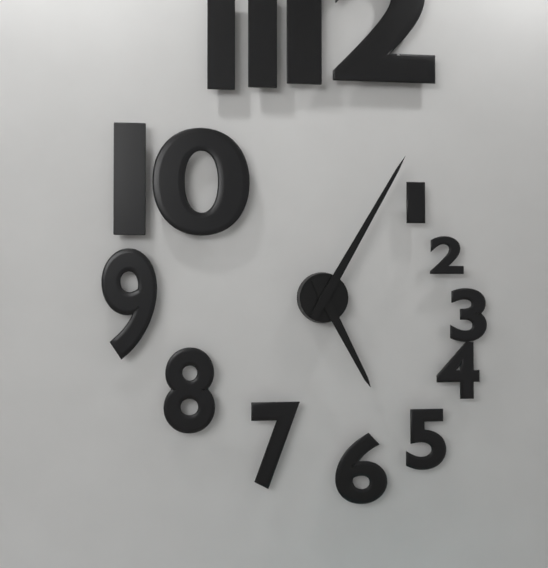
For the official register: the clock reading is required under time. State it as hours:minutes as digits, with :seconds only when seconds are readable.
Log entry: 5:05
